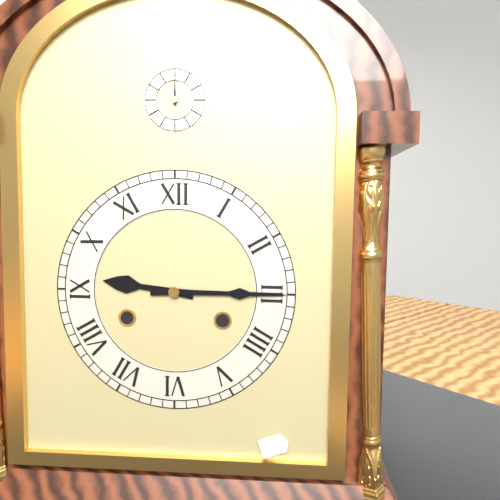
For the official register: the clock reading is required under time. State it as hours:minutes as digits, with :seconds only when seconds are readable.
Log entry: 9:15
